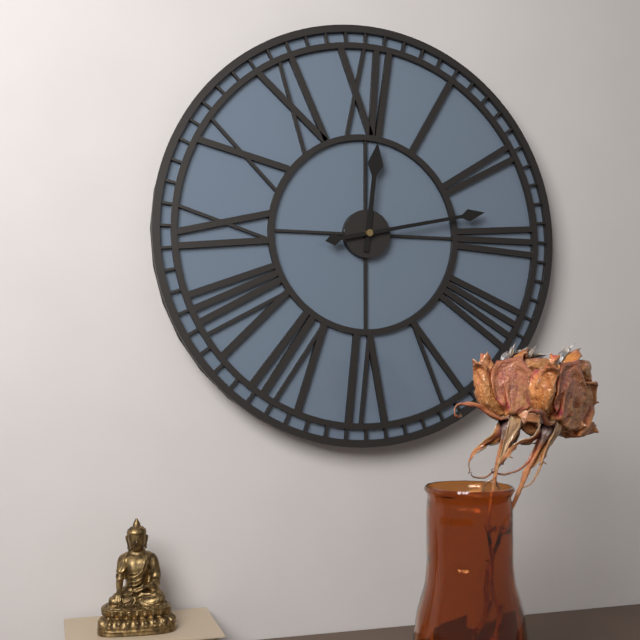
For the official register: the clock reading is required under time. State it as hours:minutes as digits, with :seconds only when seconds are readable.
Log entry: 12:13
